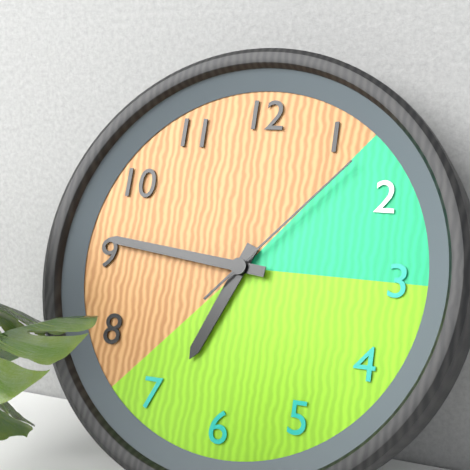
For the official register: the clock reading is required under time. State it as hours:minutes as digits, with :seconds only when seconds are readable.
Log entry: 6:46:07
